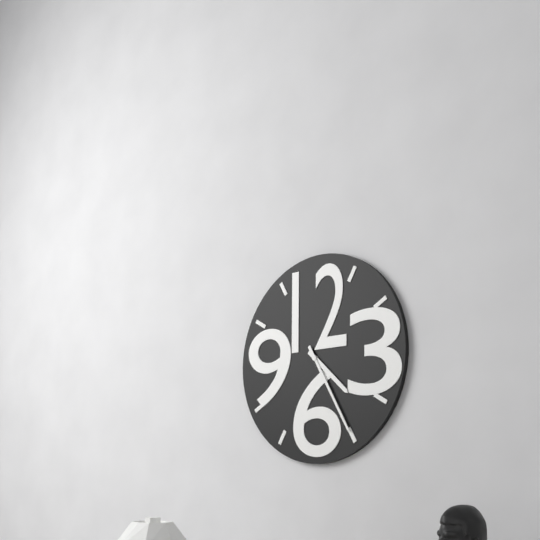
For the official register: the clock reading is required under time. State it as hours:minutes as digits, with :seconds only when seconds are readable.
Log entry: 4:25
